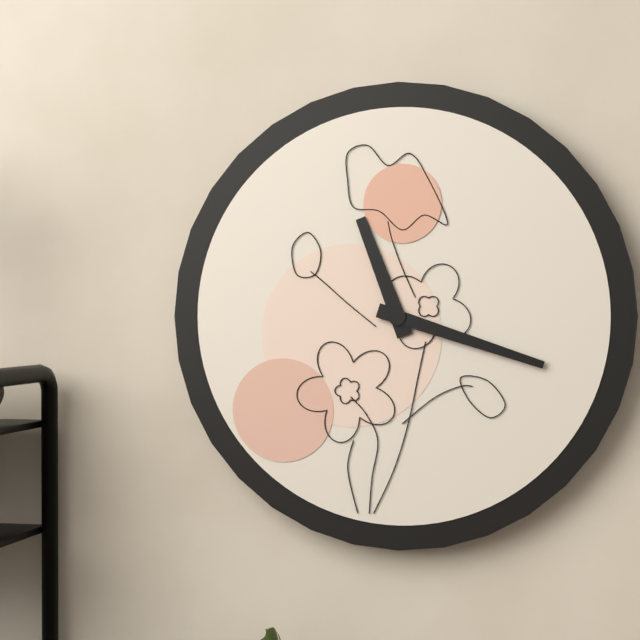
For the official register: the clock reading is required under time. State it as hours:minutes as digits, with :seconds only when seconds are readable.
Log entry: 11:18
